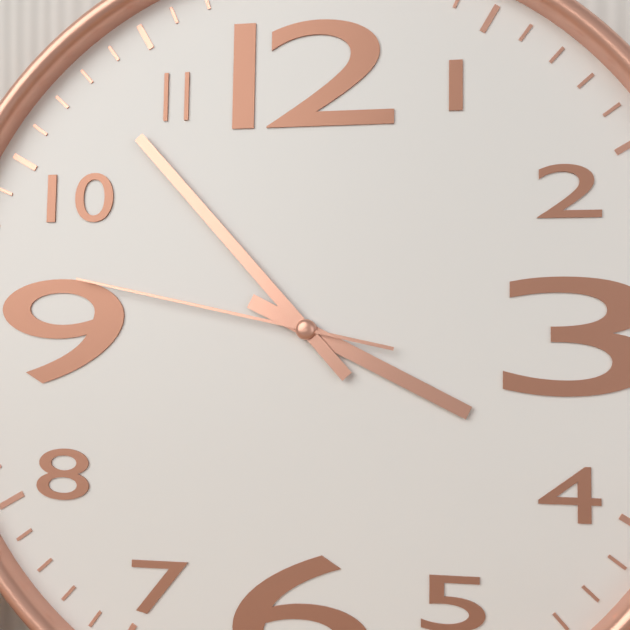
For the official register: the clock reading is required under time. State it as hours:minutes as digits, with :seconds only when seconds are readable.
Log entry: 3:53:47
